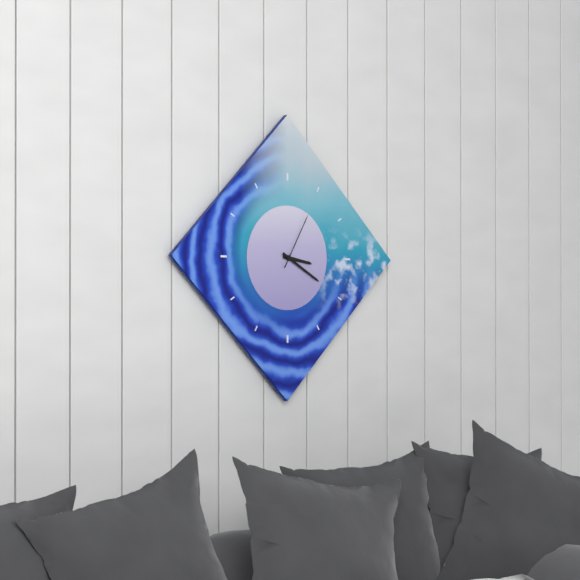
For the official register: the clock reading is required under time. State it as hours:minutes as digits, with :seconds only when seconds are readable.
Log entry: 3:20:05
